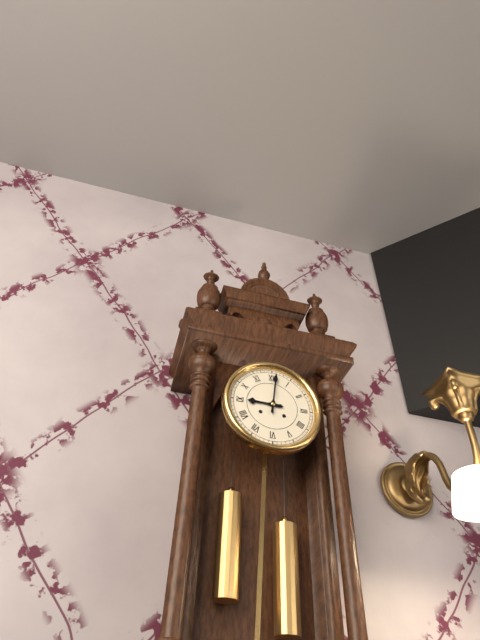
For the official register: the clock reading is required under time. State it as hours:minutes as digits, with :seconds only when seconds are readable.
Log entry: 9:01
